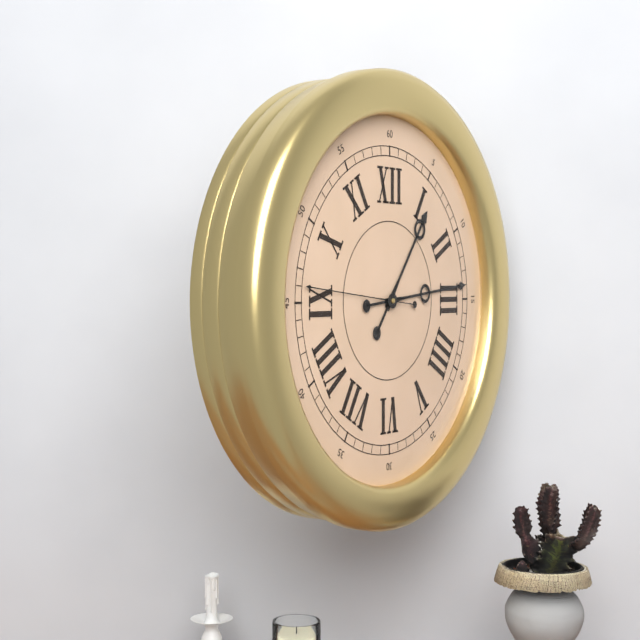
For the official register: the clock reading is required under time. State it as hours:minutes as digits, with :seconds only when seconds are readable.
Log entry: 1:14:46
